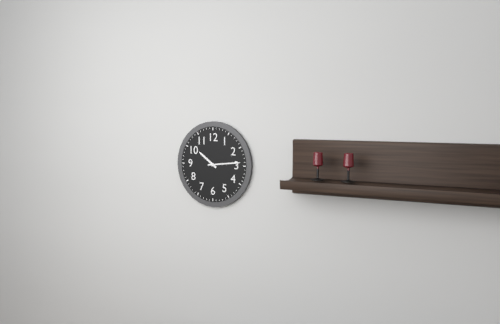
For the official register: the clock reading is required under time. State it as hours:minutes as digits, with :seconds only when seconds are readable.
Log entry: 10:14
